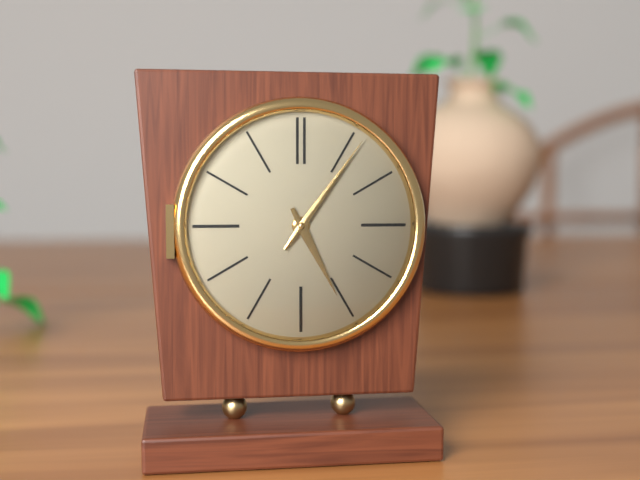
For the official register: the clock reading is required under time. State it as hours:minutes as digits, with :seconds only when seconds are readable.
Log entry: 5:06
